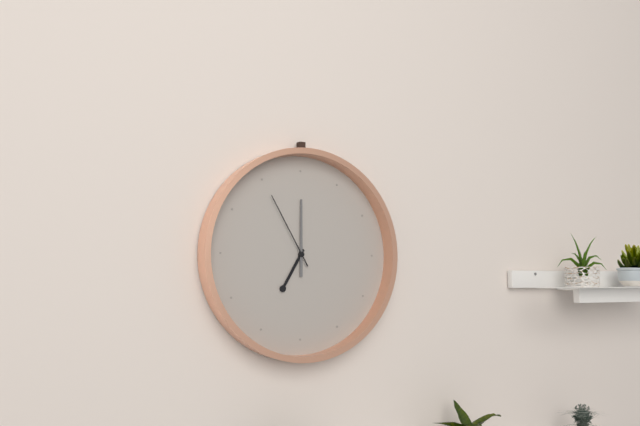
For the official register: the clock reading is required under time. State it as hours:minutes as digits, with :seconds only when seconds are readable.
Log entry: 7:00:55
